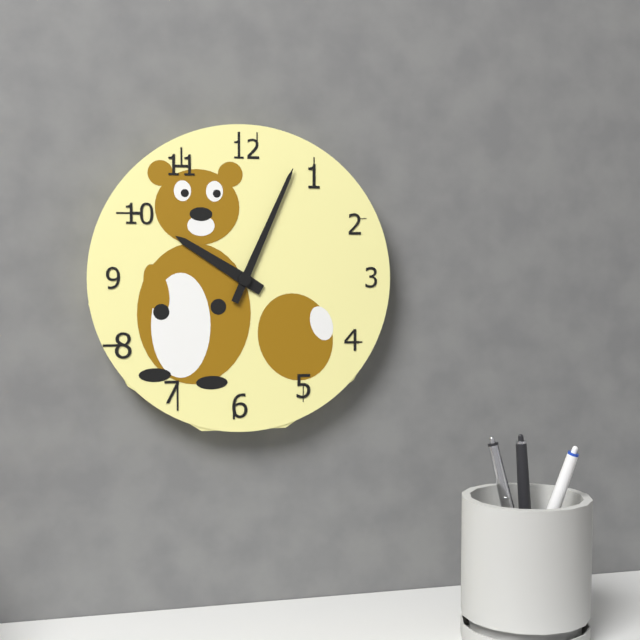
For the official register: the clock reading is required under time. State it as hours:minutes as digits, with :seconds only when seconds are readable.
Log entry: 10:04
